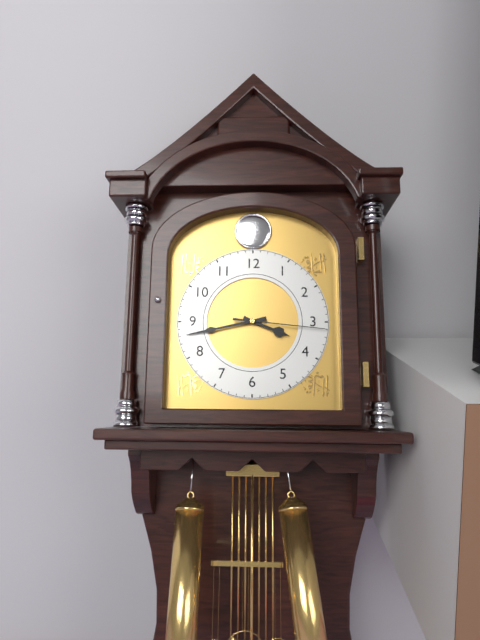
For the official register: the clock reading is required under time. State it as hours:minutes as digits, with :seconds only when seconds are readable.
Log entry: 3:43:16
